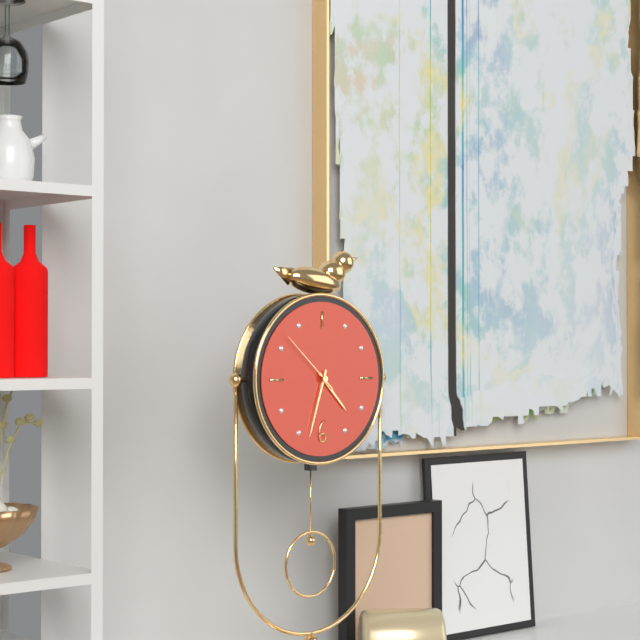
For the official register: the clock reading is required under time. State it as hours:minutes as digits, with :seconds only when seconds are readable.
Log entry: 4:33:52
